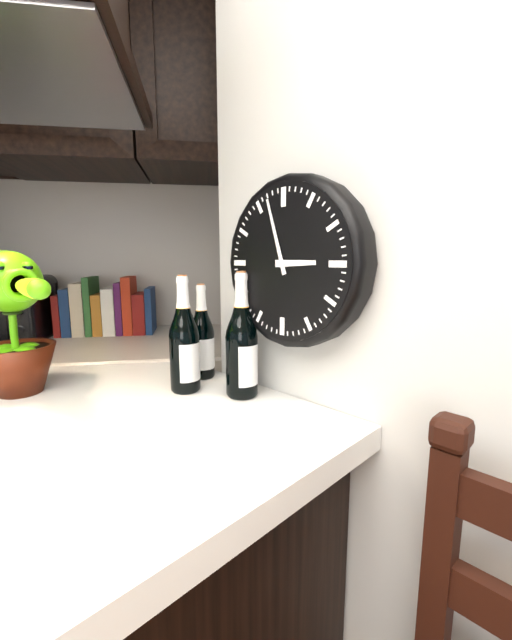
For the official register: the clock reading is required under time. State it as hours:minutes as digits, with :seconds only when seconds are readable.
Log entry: 2:57
